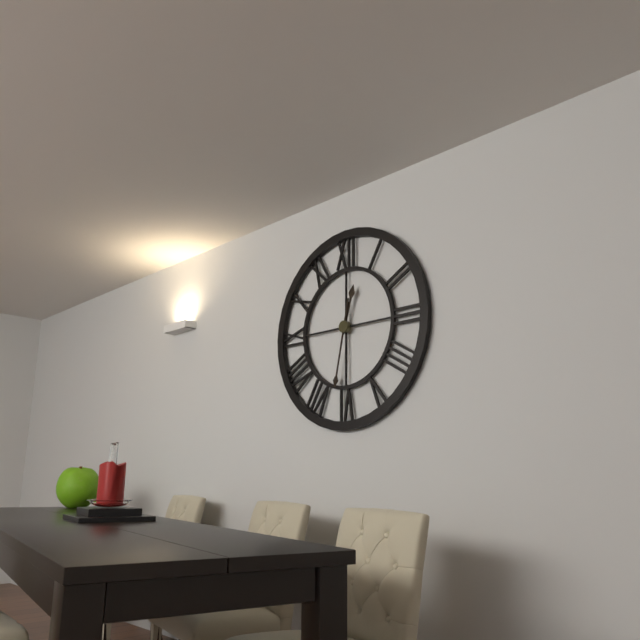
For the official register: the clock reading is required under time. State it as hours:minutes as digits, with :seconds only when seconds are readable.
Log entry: 12:32
